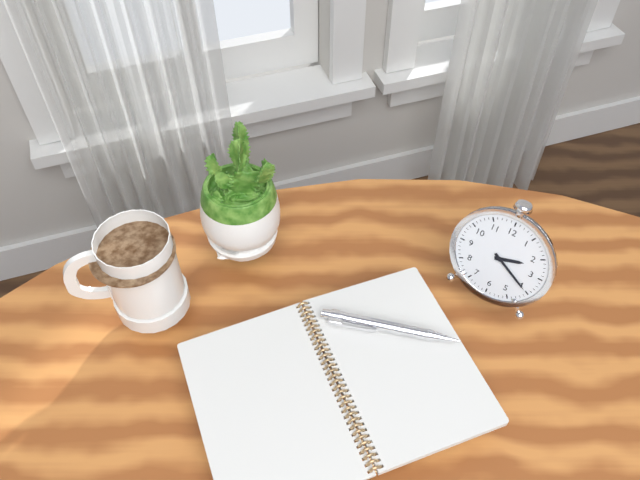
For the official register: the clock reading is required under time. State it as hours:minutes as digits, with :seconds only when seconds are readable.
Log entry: 2:20
